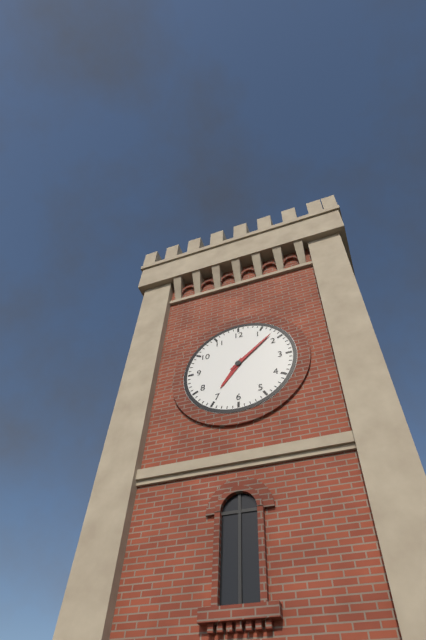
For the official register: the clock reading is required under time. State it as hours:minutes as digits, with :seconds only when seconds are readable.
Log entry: 7:08
